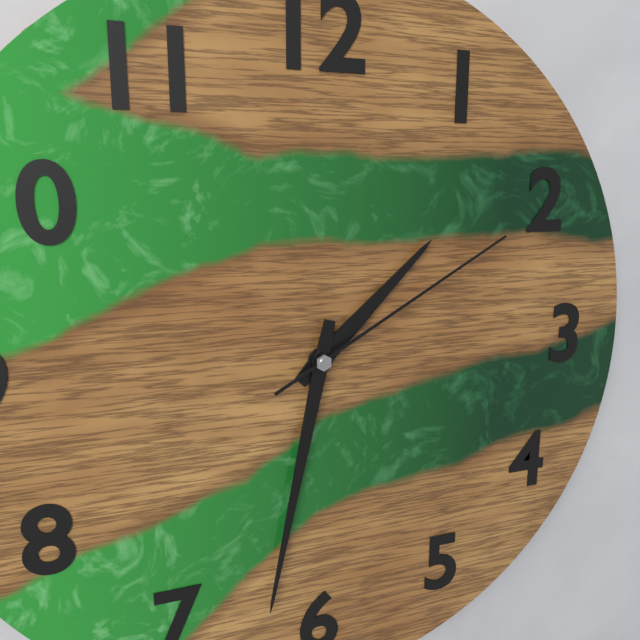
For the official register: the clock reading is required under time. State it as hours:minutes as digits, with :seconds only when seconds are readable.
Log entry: 1:32:10
